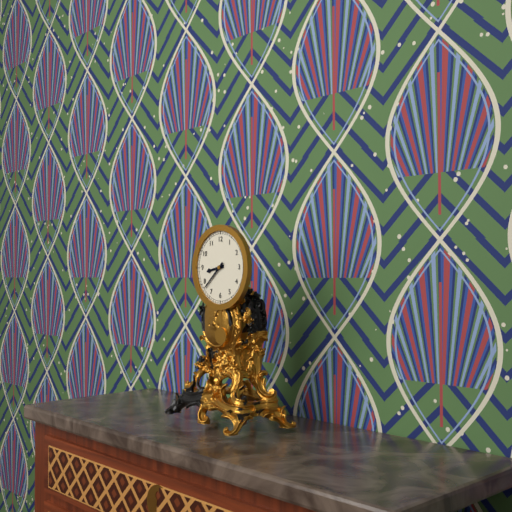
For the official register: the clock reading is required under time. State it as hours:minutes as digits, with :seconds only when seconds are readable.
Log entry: 8:38
